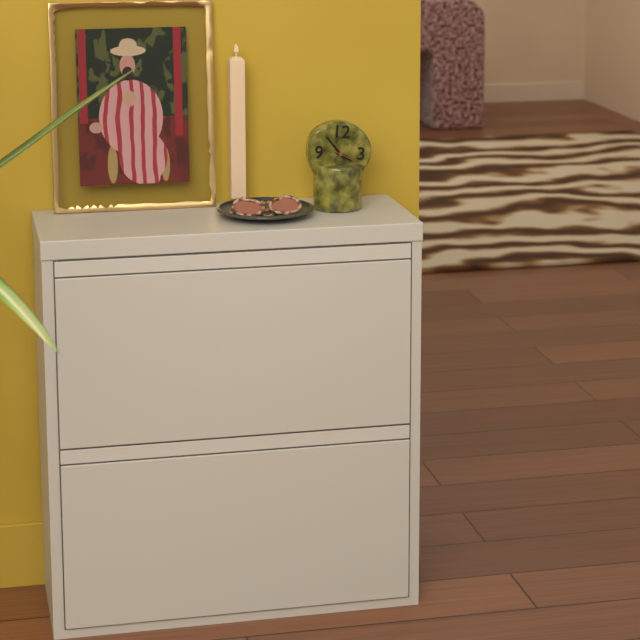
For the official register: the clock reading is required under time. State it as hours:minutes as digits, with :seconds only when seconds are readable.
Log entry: 3:53
